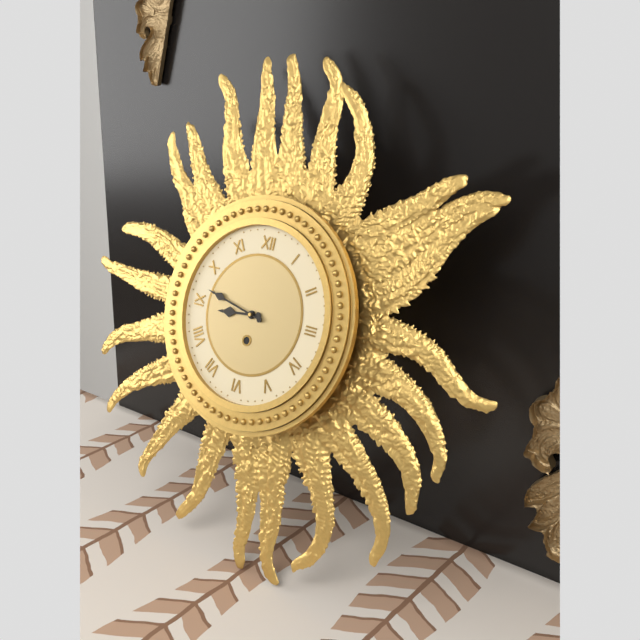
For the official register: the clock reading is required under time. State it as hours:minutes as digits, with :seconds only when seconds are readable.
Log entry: 8:47
